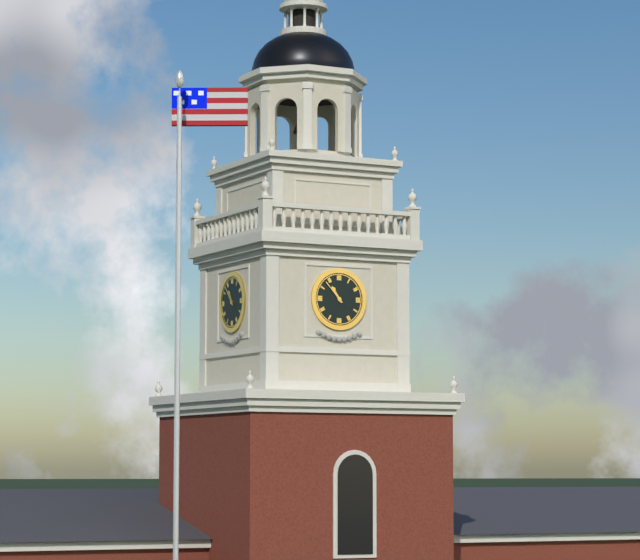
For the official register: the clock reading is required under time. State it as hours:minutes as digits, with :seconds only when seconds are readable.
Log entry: 10:53
